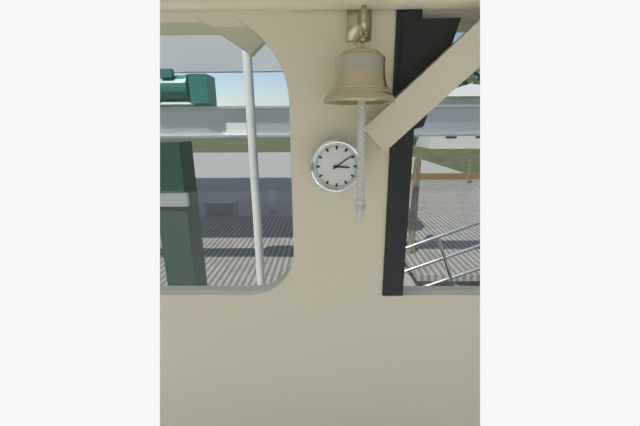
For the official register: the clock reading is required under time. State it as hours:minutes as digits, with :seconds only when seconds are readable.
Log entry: 3:09
